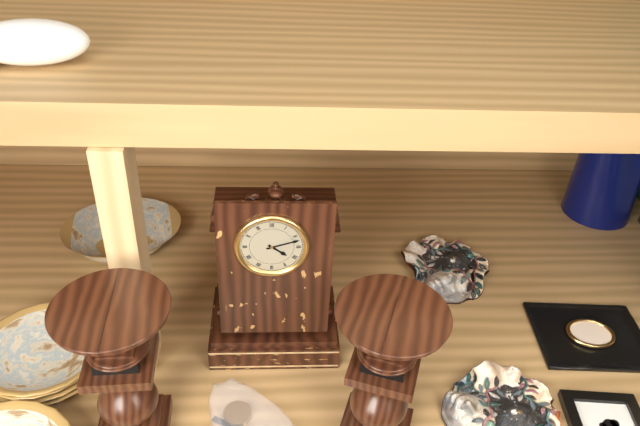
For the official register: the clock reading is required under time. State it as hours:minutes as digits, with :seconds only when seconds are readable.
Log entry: 4:12
